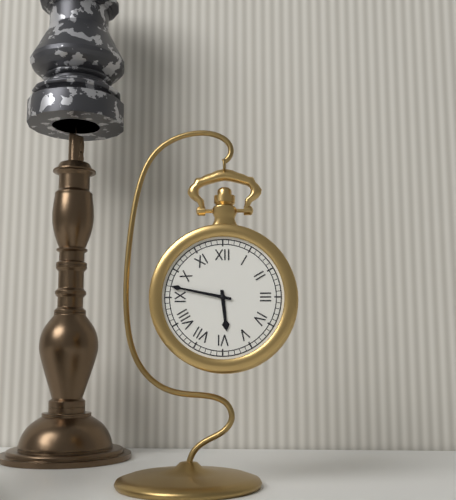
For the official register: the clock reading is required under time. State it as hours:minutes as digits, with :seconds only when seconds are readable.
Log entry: 5:47
